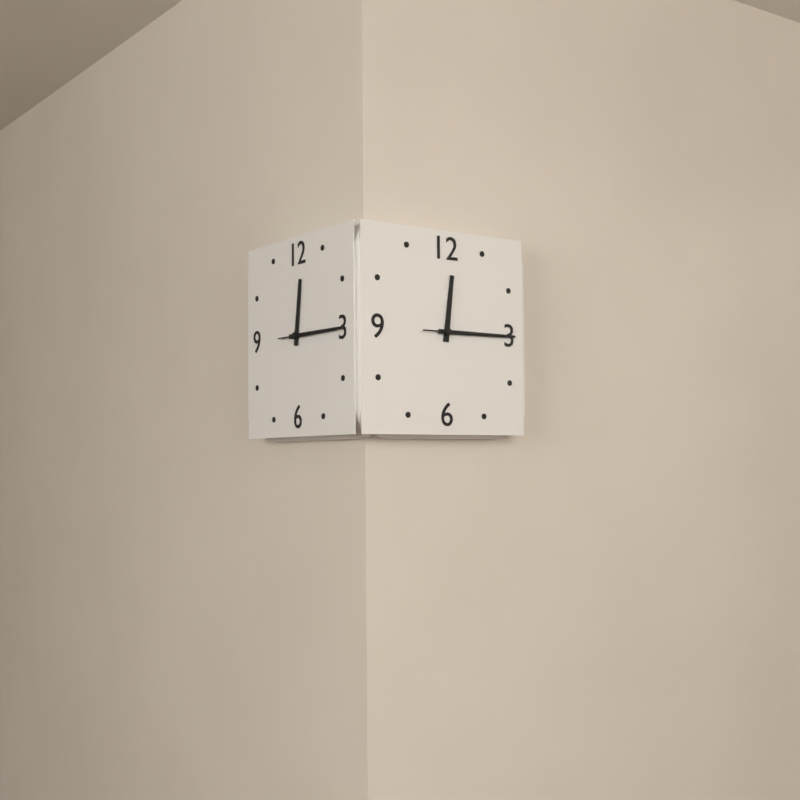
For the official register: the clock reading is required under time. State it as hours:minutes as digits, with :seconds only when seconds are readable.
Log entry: 12:15:15
